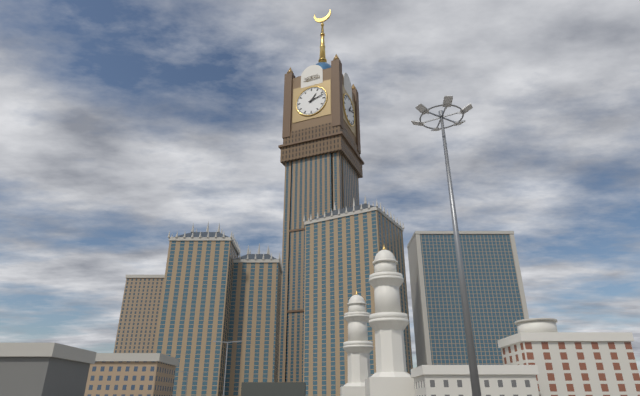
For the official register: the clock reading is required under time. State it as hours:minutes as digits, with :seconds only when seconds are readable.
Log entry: 1:12
